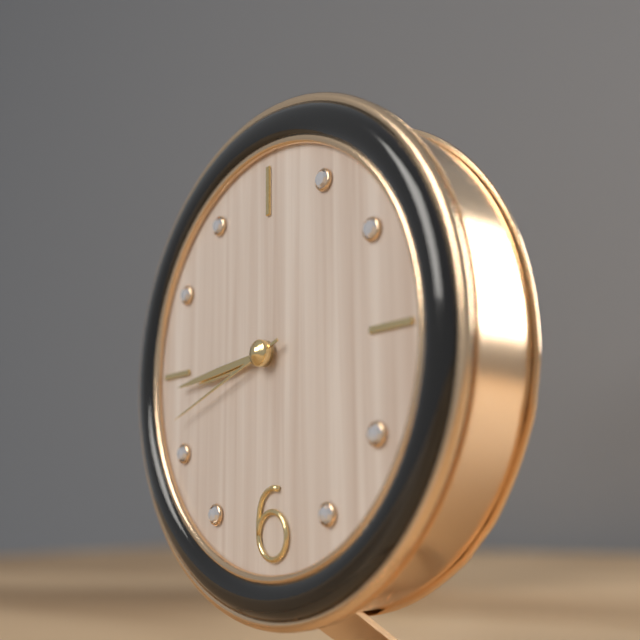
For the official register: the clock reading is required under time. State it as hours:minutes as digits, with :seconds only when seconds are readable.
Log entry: 8:44:42
